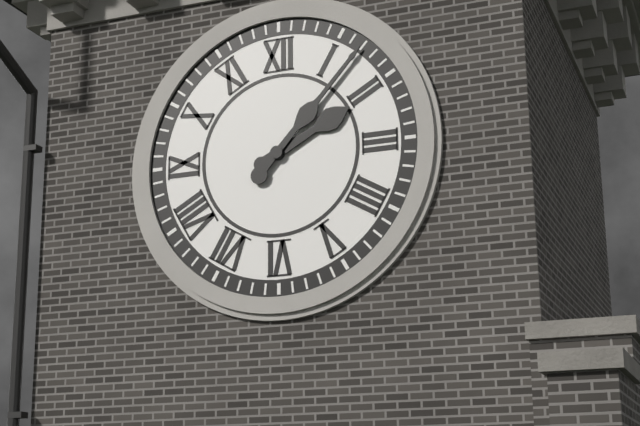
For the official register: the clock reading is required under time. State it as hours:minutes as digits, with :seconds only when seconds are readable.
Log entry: 2:07
